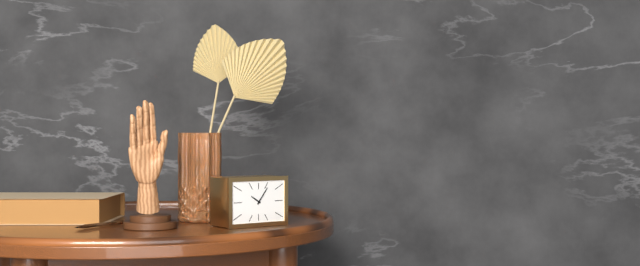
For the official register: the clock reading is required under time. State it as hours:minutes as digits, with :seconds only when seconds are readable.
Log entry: 10:06
